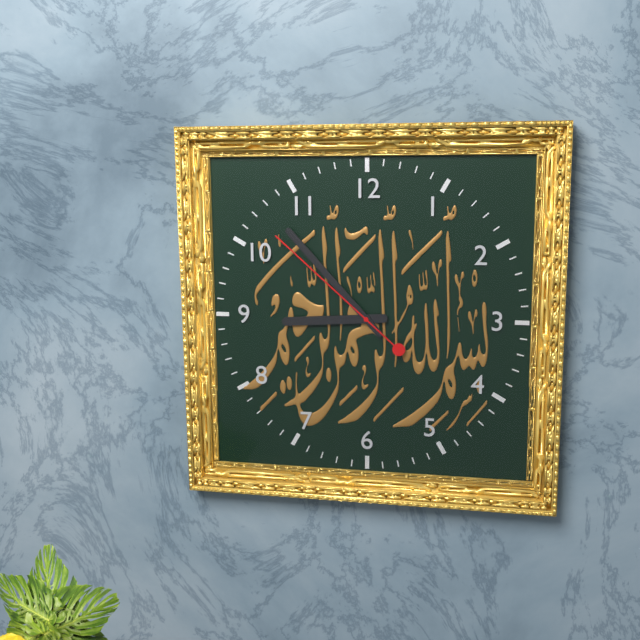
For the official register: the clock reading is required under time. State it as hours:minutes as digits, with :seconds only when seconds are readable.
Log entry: 8:53:52
